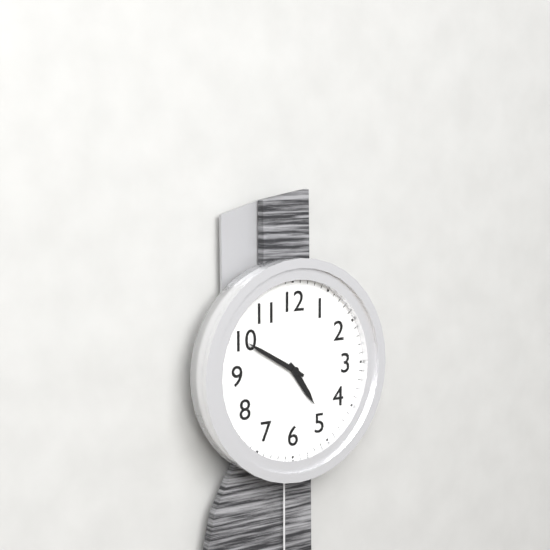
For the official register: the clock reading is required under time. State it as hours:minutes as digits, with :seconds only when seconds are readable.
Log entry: 4:50
